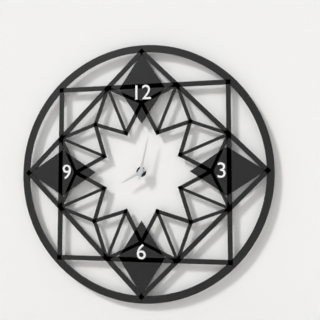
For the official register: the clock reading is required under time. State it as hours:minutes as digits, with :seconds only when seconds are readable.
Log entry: 8:02
